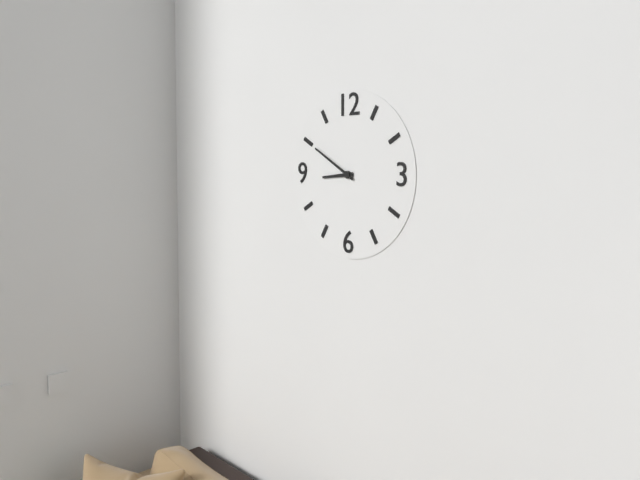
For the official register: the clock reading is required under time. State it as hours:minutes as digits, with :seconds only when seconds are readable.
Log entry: 8:50
